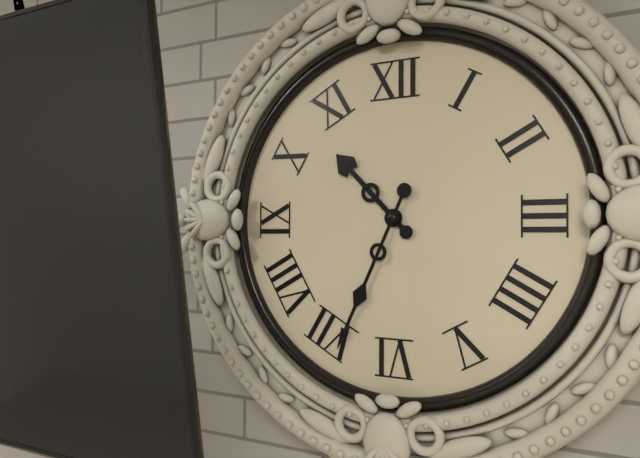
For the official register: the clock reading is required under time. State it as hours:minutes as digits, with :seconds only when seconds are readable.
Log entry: 10:34
